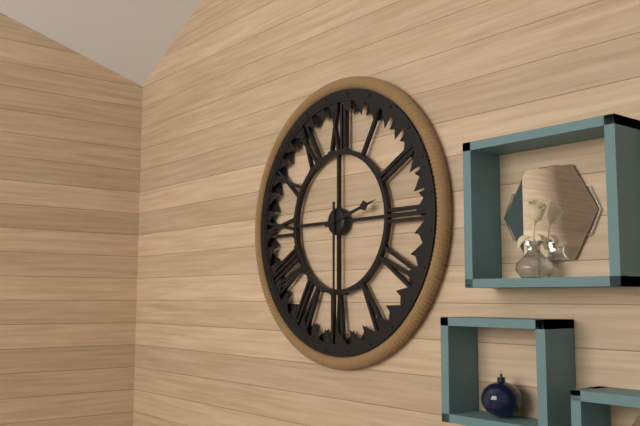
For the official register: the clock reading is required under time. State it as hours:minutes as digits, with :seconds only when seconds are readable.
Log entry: 2:30
